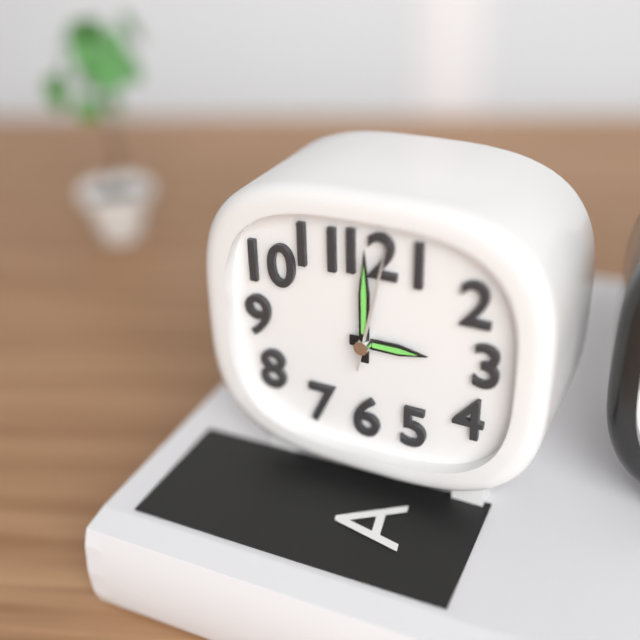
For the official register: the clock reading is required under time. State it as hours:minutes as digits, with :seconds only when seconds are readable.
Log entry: 3:00:02
